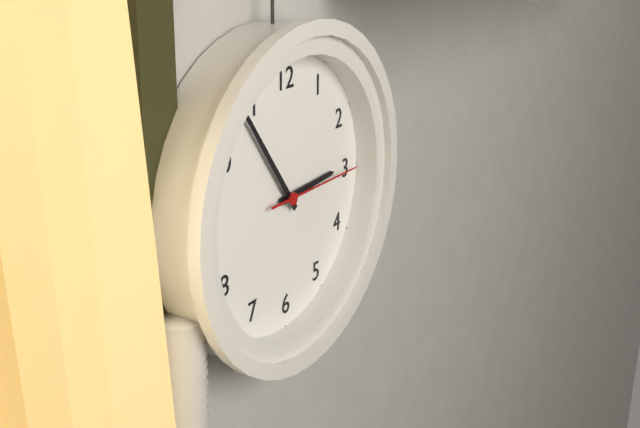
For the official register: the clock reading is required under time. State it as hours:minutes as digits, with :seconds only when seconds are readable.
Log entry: 2:54:15
